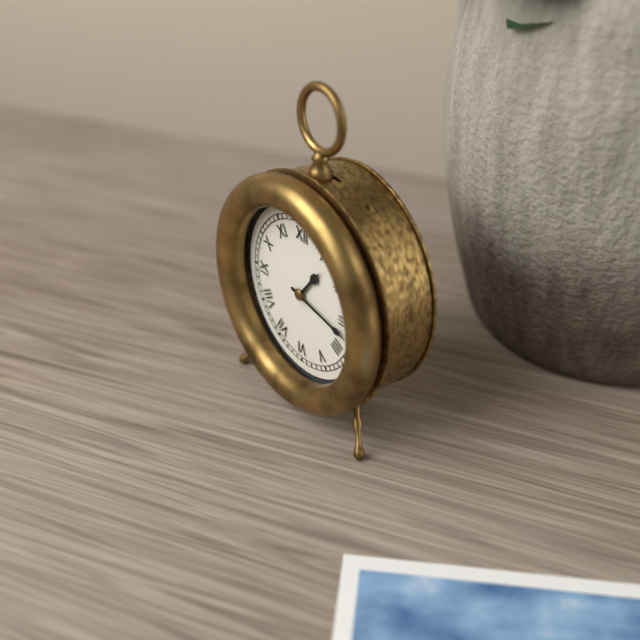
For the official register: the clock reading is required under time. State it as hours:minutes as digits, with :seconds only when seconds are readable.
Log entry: 1:17
